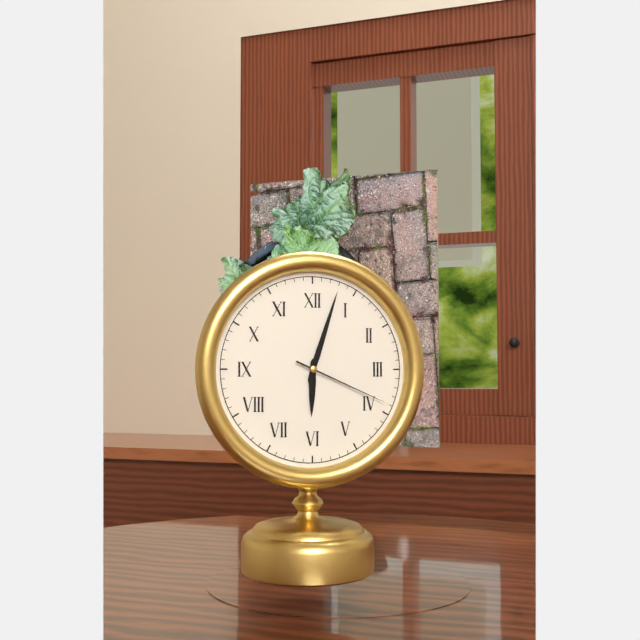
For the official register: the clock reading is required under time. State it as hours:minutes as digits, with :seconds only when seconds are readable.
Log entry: 6:03:19
